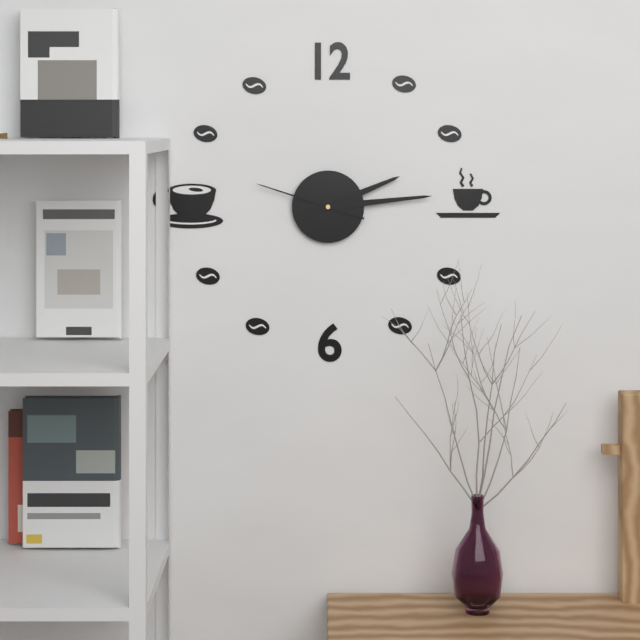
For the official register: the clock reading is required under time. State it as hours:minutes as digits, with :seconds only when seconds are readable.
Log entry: 2:14:48
